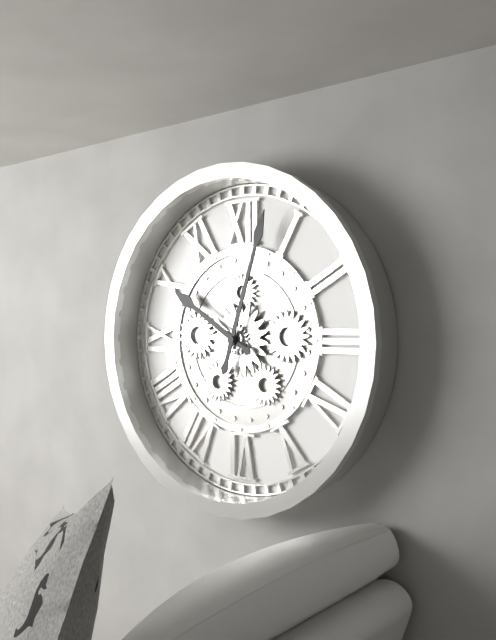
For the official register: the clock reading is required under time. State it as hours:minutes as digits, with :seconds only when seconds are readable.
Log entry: 10:03
